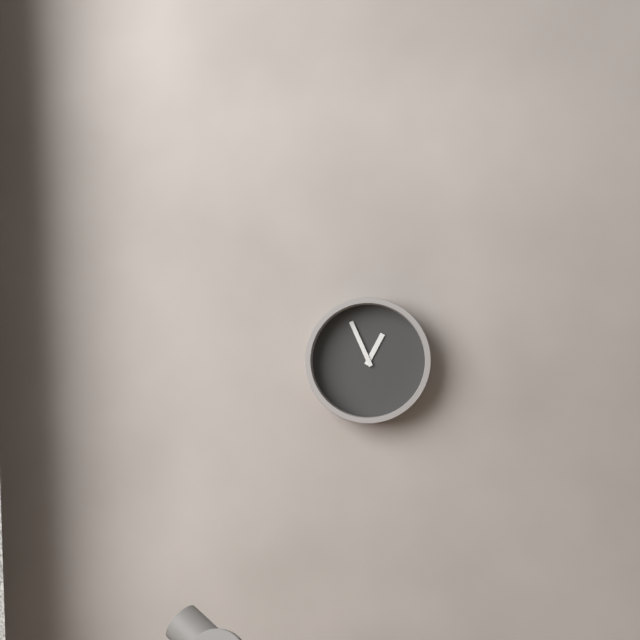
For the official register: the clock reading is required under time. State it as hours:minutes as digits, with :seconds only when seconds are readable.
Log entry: 12:56
